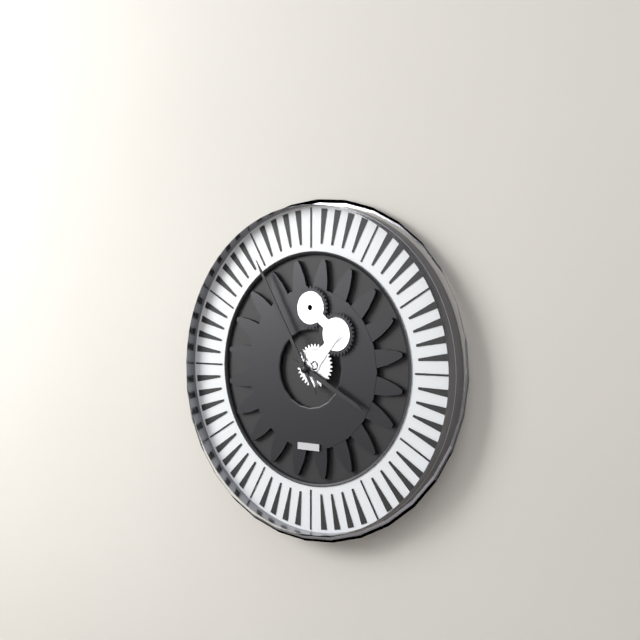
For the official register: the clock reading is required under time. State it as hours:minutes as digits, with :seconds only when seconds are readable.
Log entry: 3:55
